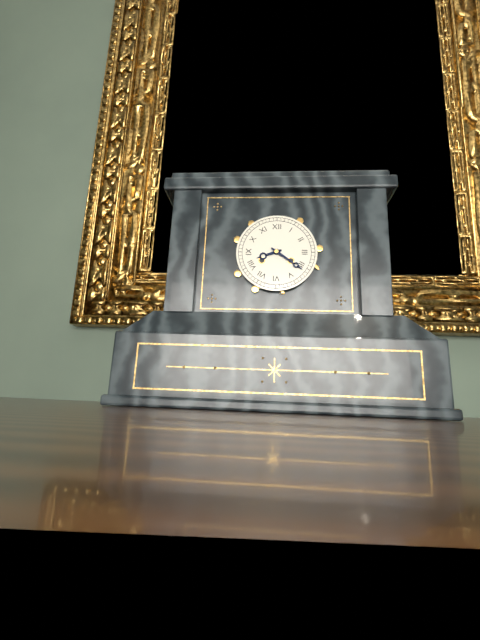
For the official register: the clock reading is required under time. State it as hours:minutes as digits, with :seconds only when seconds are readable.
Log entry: 8:21
